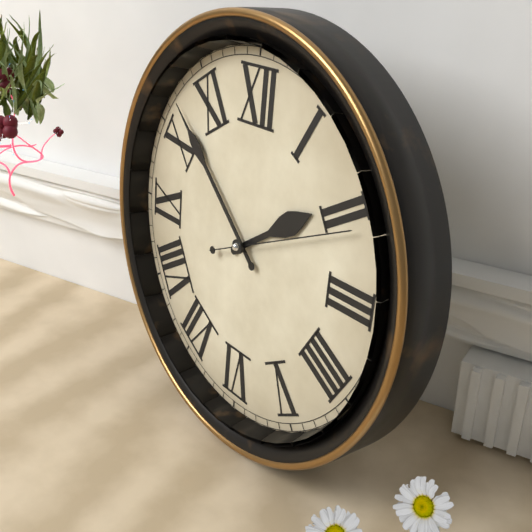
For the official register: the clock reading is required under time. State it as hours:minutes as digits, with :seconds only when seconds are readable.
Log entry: 1:52:11
